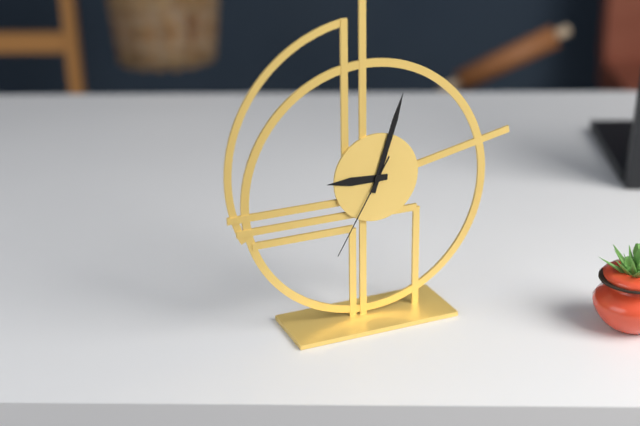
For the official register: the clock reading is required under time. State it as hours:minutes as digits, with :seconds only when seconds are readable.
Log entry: 9:03:35
